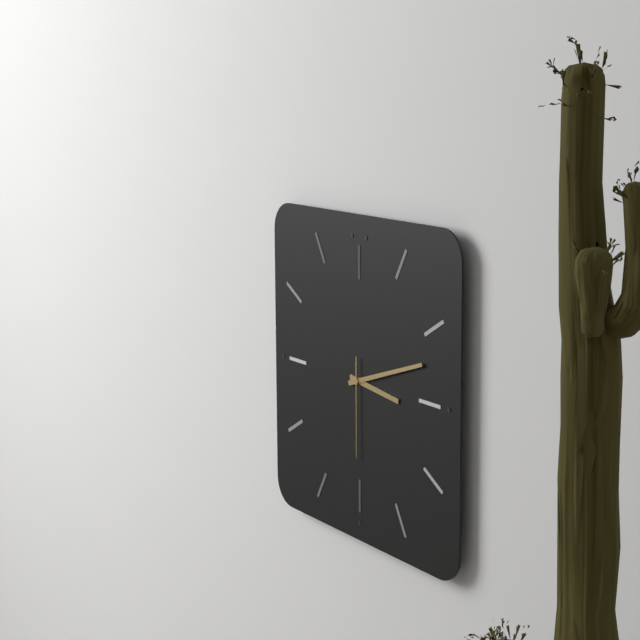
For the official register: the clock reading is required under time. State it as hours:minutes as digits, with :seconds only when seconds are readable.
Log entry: 3:12:30
